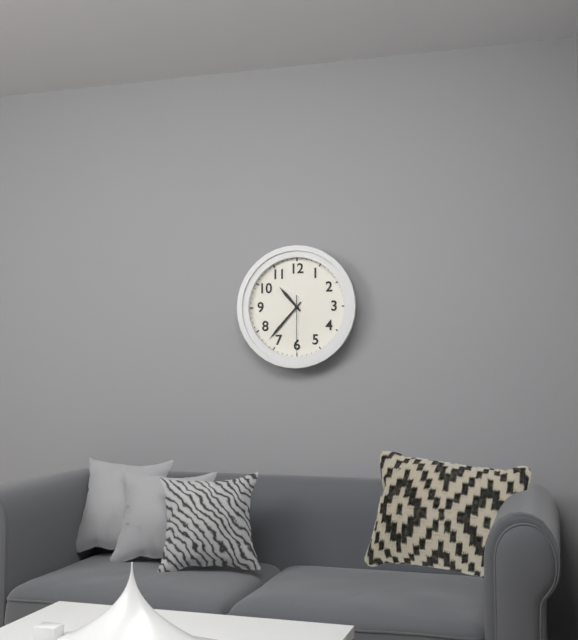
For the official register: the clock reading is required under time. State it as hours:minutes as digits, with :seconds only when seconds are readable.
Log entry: 10:37:30
